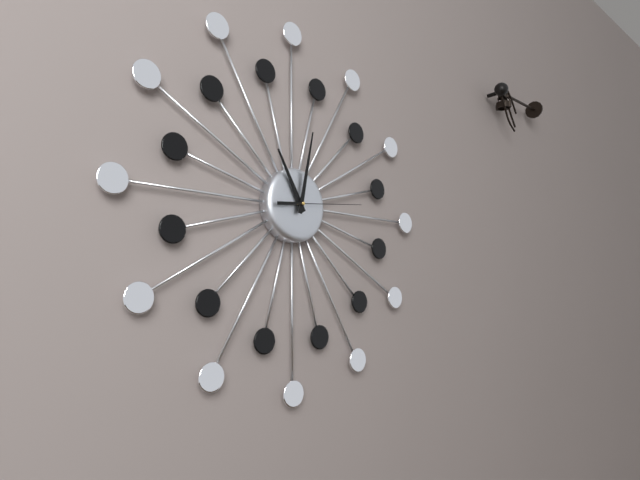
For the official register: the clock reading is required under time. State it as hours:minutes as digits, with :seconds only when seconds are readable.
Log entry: 11:02:14
